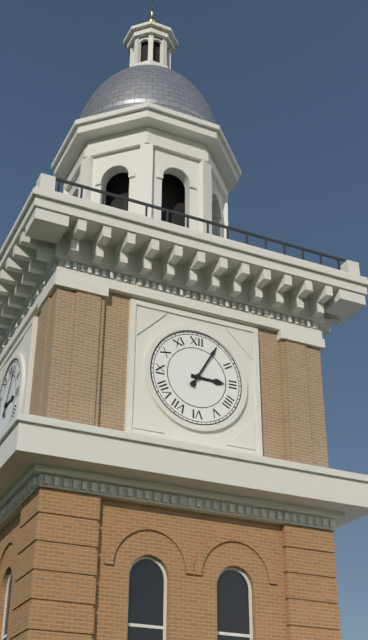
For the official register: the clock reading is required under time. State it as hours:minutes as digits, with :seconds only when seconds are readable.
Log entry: 3:05
